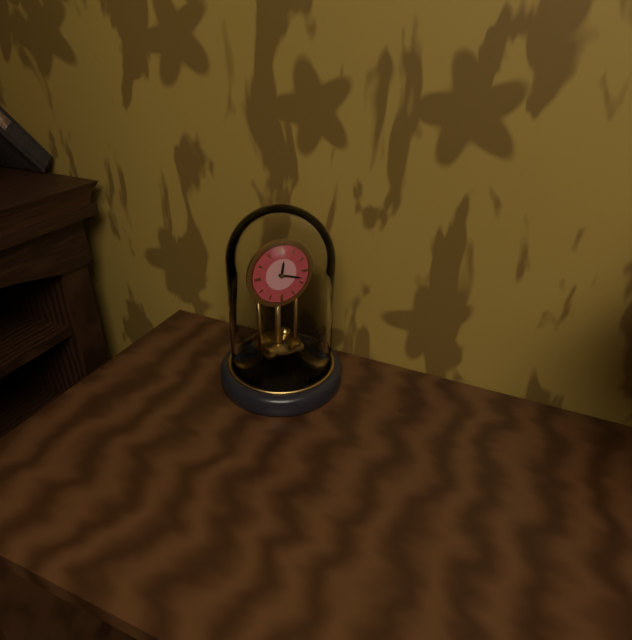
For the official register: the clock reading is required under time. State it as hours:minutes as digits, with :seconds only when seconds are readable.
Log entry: 12:18
